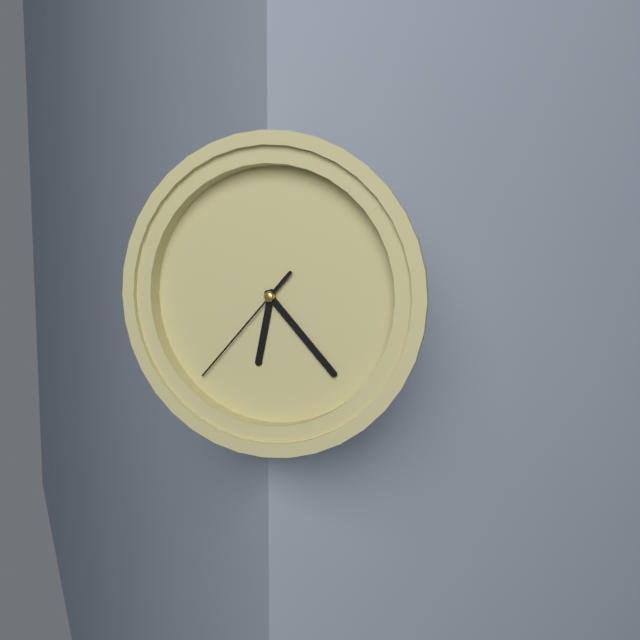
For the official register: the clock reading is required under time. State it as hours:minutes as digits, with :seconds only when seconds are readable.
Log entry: 6:23:37
